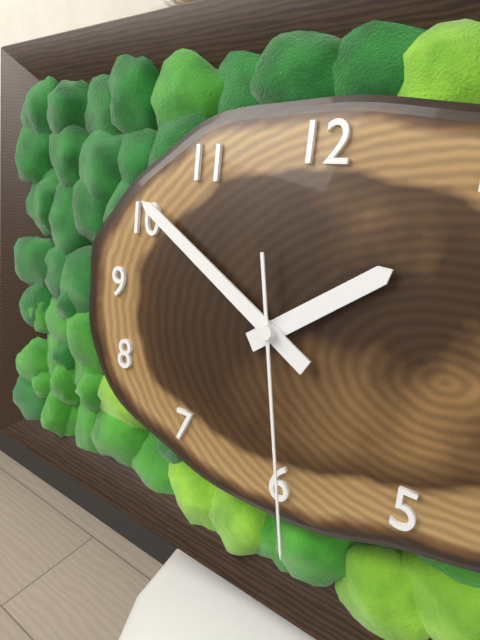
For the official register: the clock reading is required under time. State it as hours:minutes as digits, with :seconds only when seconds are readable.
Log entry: 1:50:28
